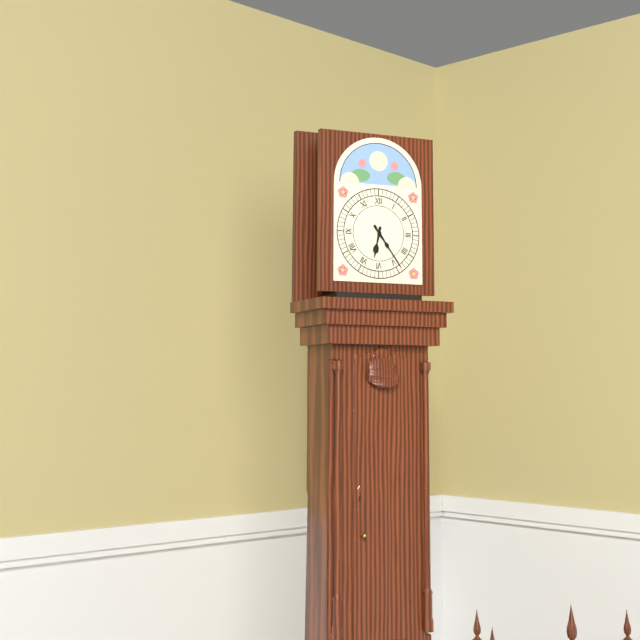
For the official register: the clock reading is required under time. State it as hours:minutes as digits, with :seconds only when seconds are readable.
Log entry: 6:24
